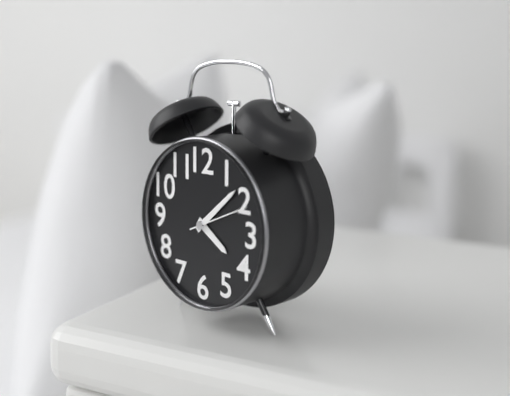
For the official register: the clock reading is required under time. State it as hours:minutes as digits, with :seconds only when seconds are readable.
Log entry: 4:08:11
